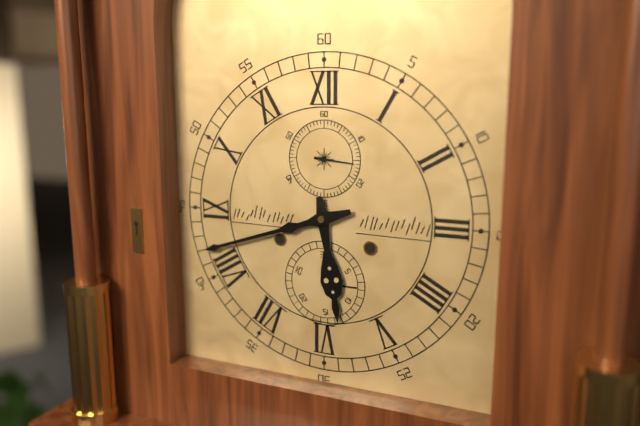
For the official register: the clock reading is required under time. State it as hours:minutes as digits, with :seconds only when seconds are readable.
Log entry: 5:42
